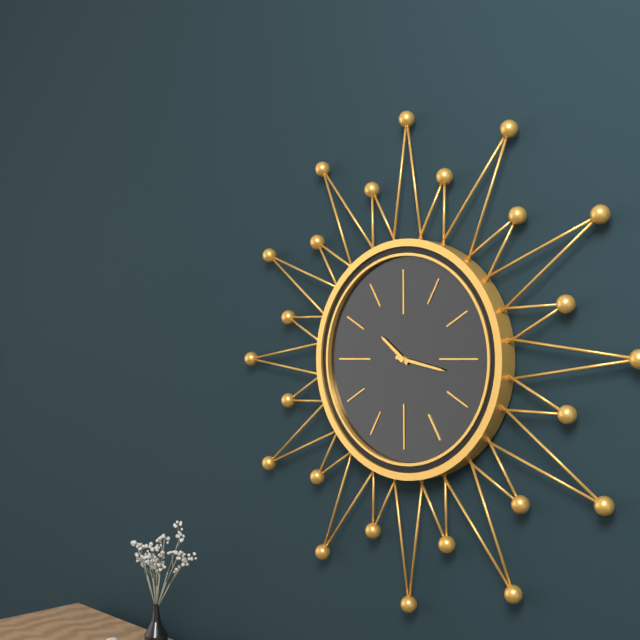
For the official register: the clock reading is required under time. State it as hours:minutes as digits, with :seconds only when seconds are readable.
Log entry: 10:17
